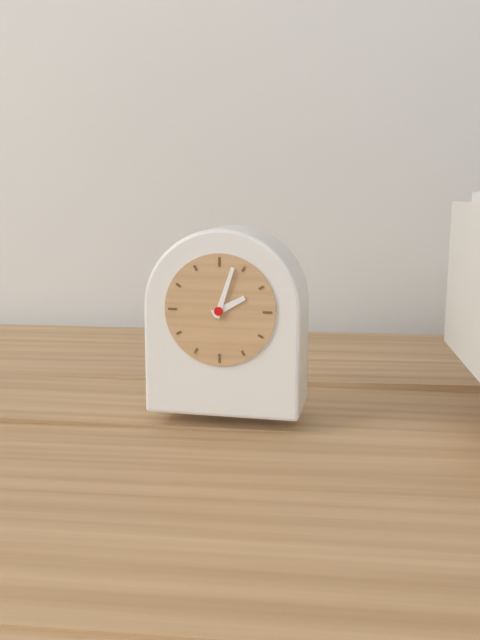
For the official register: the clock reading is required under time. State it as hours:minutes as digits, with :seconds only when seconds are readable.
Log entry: 2:03
